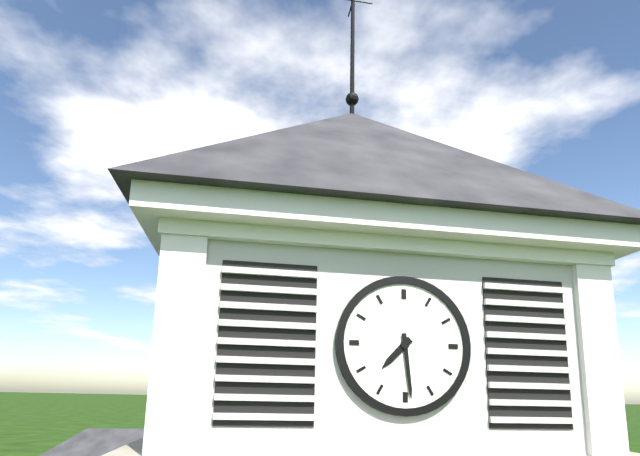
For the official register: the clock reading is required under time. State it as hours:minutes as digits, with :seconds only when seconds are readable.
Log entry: 7:29
